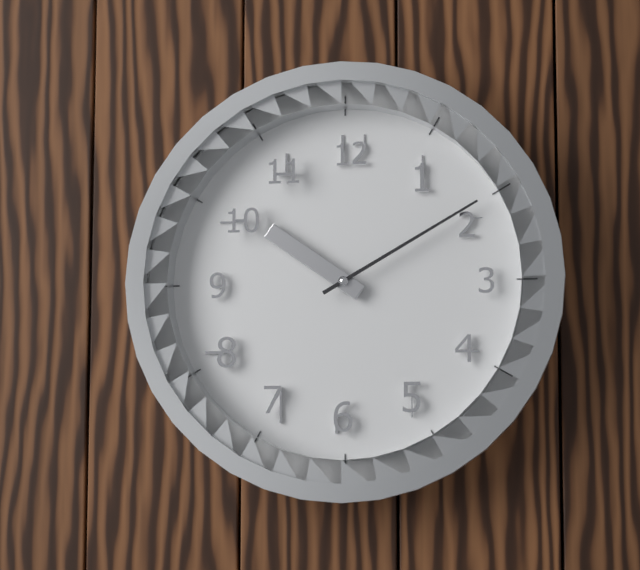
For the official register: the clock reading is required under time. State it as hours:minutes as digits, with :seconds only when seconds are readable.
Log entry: 10:10
